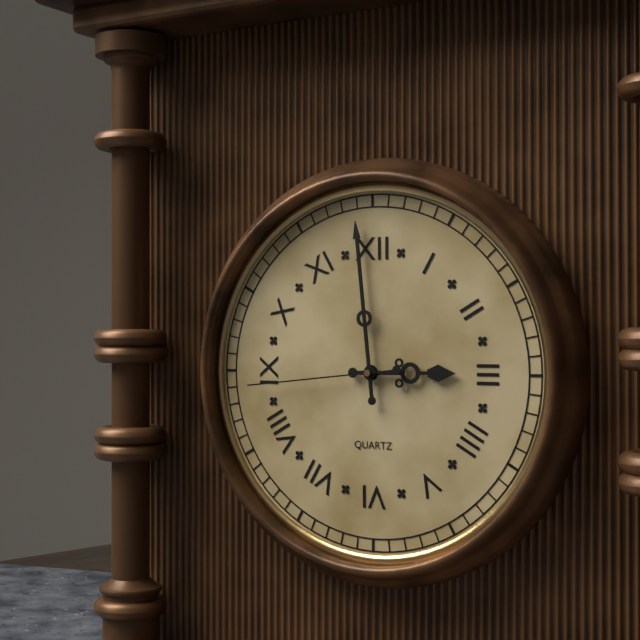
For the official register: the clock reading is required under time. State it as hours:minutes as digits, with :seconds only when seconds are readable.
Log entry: 2:59:44
